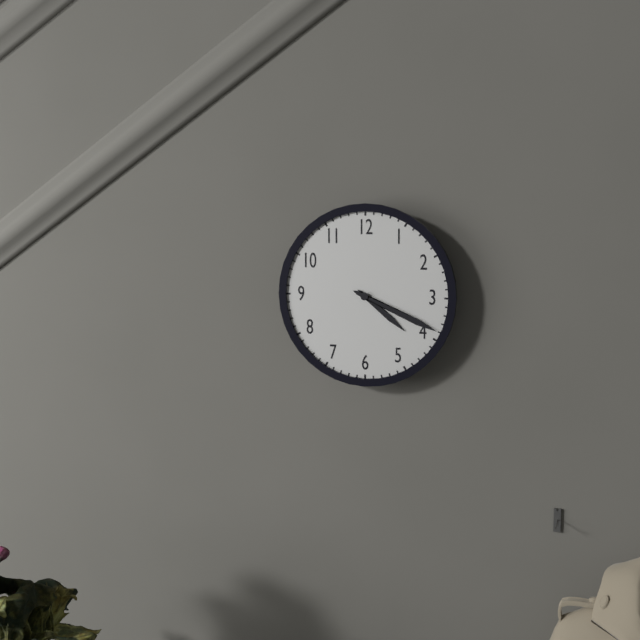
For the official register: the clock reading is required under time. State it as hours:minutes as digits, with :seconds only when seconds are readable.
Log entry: 4:19
